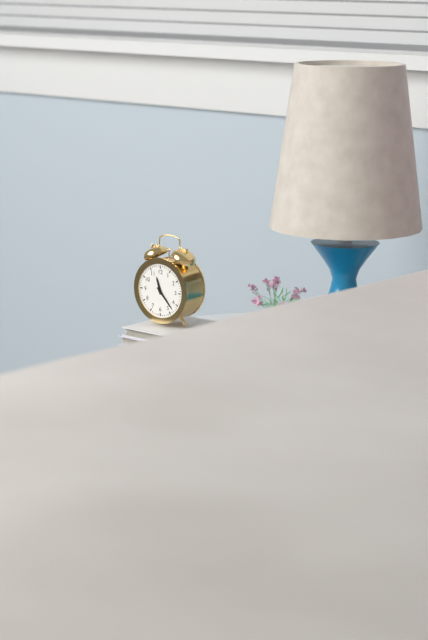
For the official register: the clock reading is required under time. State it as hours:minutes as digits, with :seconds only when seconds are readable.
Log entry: 11:23
